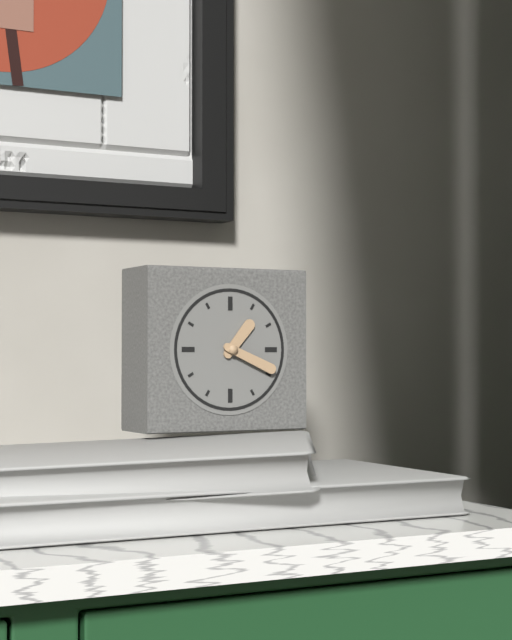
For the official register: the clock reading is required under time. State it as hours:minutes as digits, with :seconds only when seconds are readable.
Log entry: 1:19
